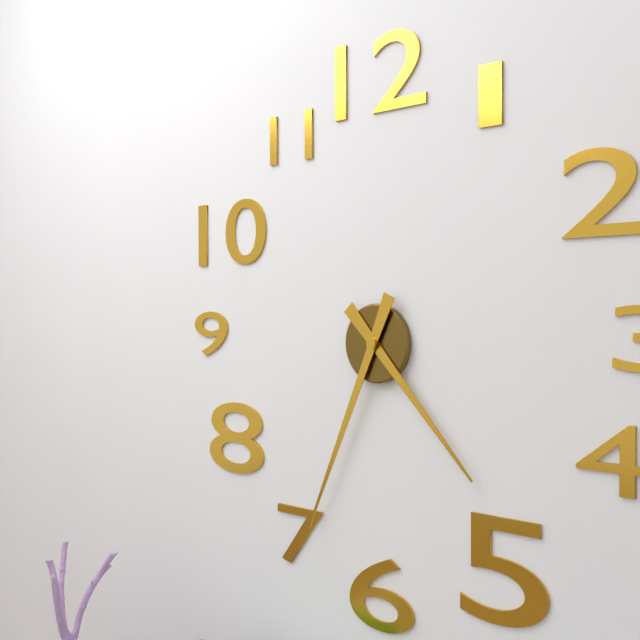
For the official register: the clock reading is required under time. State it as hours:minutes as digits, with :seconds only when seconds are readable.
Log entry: 4:34
